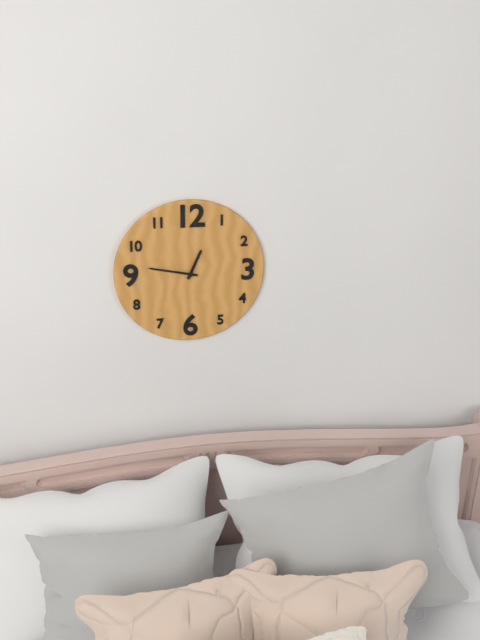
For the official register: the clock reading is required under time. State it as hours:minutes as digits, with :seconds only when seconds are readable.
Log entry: 12:47
